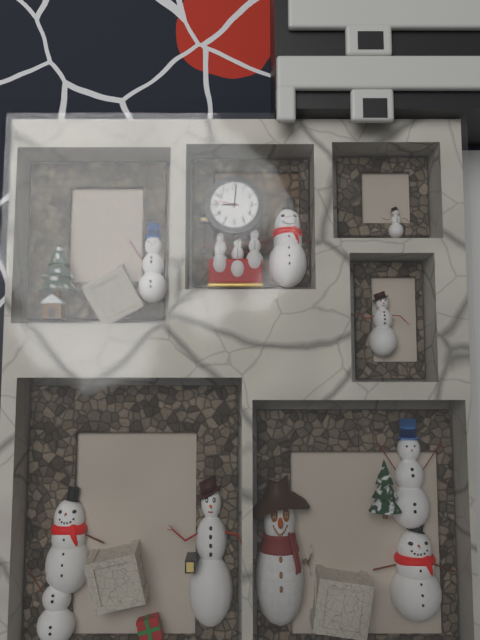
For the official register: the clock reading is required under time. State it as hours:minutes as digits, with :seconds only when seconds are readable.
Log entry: 9:01
